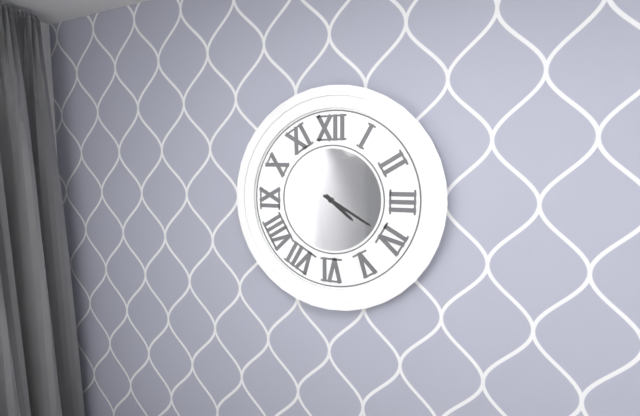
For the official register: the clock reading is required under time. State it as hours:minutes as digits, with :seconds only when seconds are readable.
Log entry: 4:20
